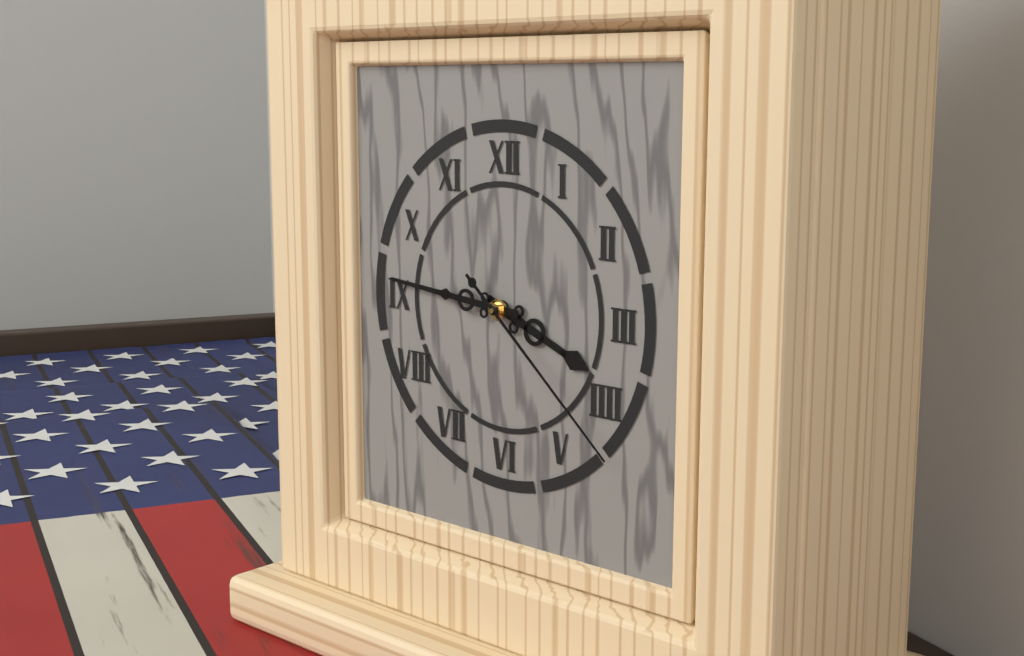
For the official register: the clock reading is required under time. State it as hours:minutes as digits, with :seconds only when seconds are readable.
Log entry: 3:46:22
